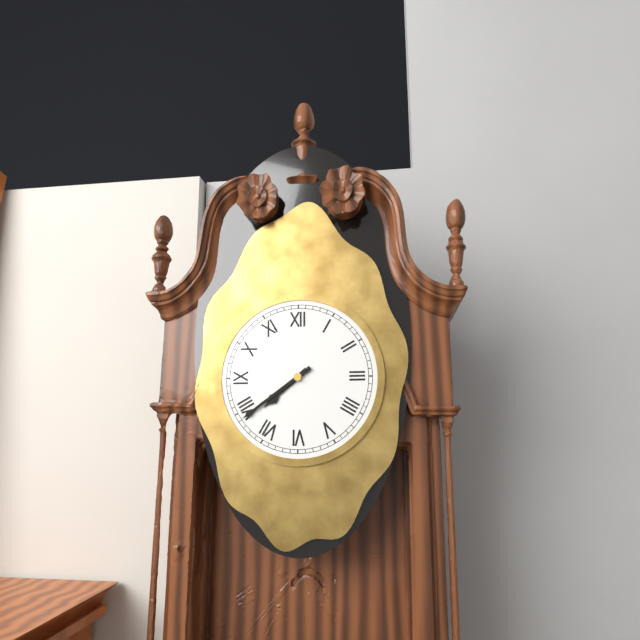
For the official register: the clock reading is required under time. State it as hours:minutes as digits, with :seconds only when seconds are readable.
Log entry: 7:39
